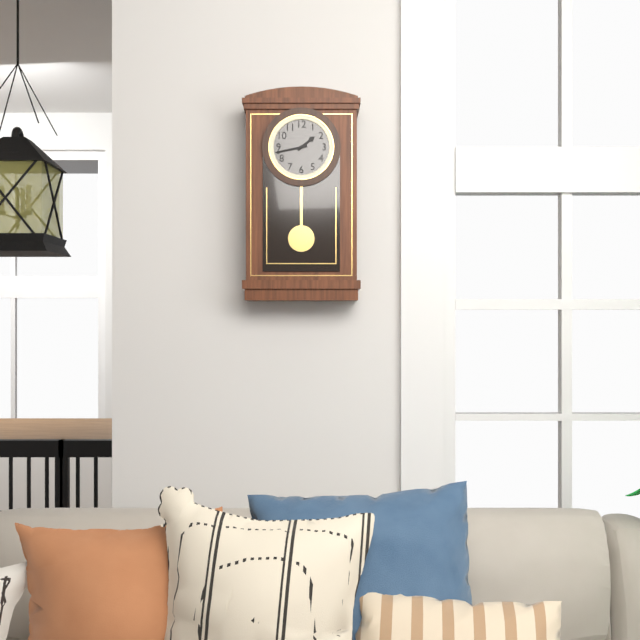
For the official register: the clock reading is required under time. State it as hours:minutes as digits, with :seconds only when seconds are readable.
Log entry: 1:43
